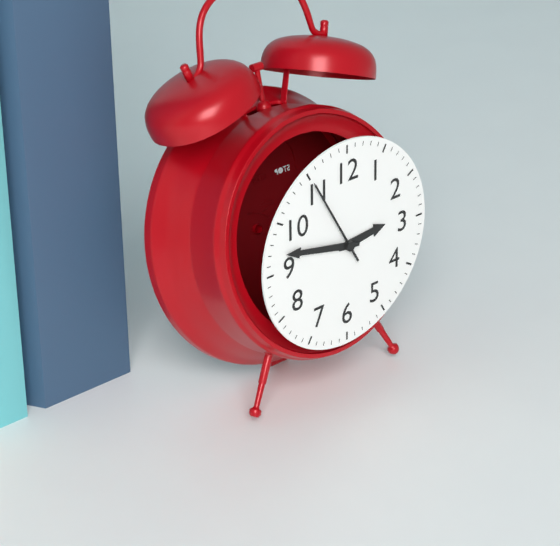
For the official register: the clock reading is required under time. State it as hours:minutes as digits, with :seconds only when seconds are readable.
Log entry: 2:47:55
